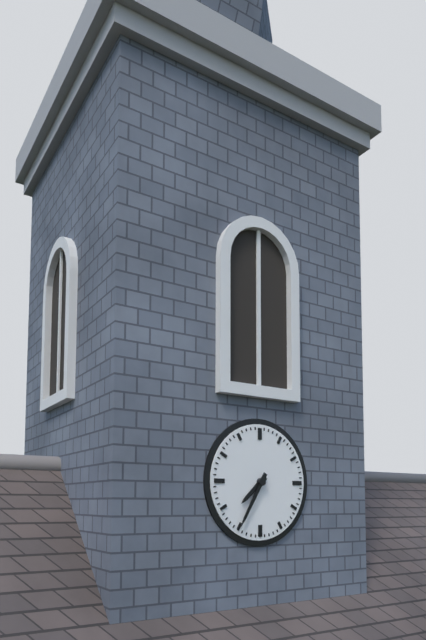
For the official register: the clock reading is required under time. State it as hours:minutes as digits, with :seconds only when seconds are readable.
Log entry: 7:35
